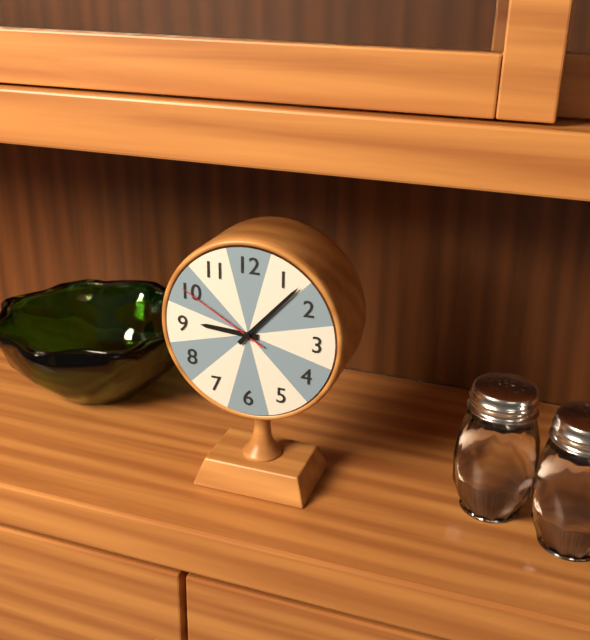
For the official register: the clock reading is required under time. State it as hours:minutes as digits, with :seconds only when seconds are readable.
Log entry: 9:07:50
